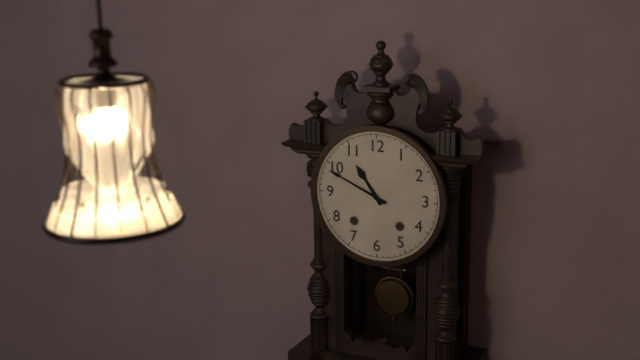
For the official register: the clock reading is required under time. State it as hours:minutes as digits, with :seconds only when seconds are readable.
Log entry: 10:49
